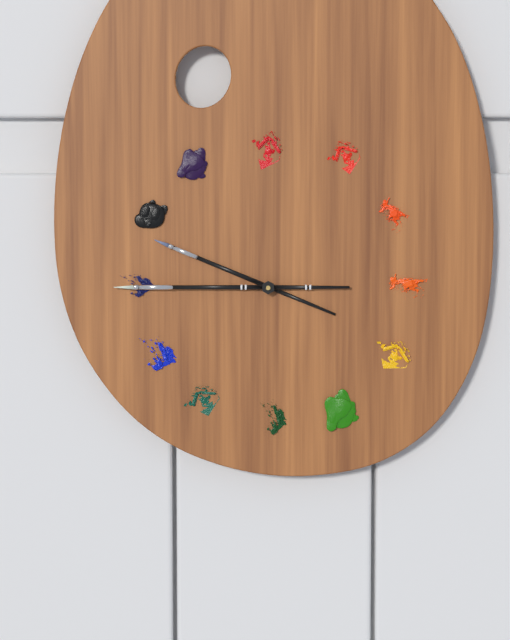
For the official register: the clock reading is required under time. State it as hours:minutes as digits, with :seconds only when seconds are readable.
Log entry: 9:45
